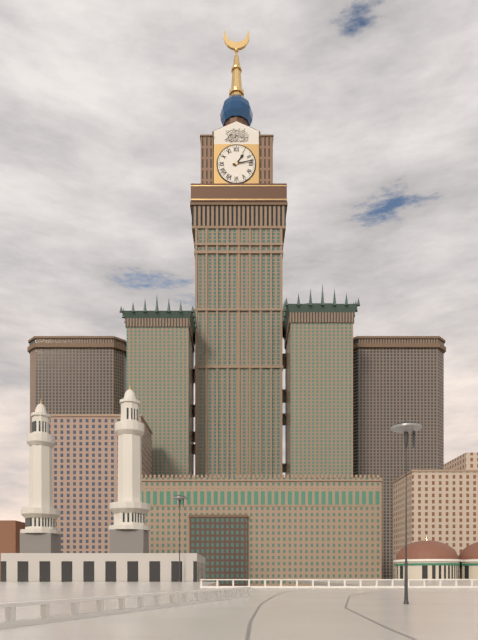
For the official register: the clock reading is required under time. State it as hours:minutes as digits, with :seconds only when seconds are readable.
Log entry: 1:13
